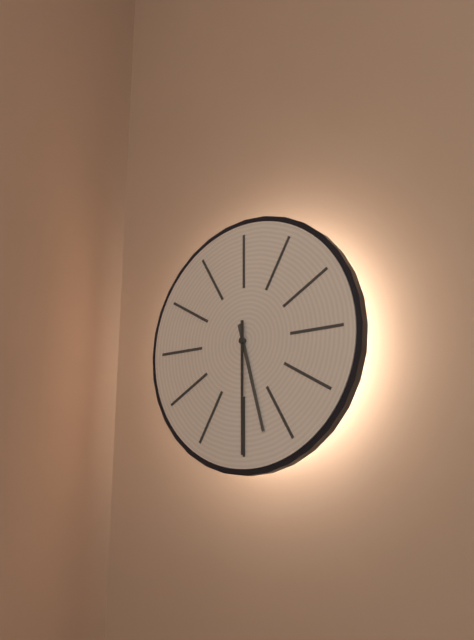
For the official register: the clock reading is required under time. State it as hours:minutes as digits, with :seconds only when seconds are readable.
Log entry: 5:30
